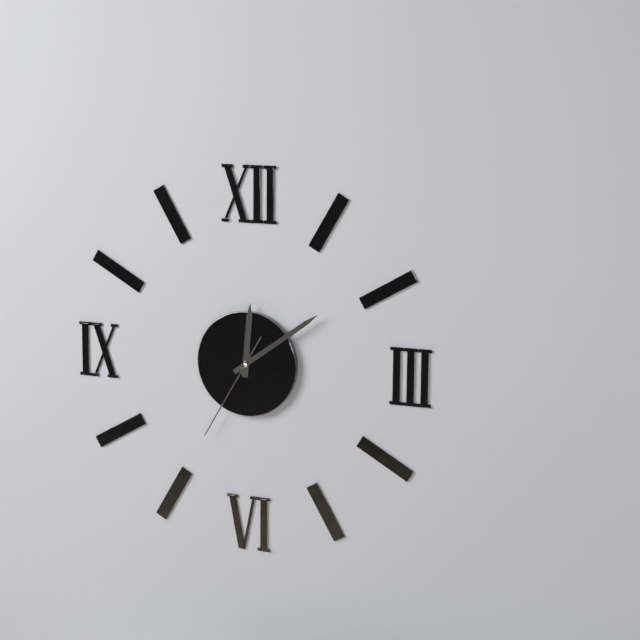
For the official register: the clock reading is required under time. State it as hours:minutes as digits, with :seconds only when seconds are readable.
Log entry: 12:09:35
